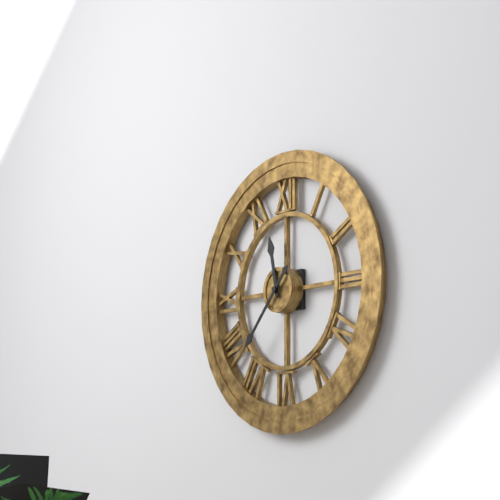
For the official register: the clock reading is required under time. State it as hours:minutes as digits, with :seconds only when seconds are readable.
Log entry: 11:37
